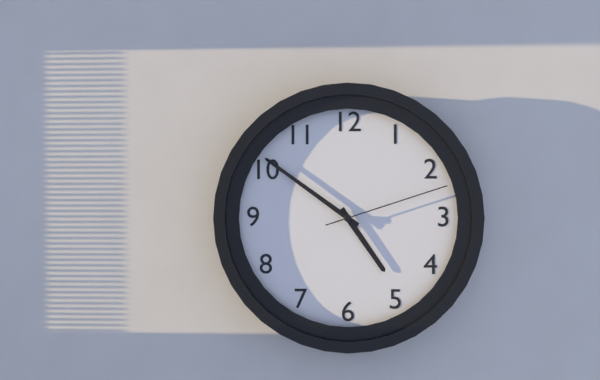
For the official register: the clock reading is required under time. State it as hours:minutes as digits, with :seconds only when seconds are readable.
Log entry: 4:51:12
